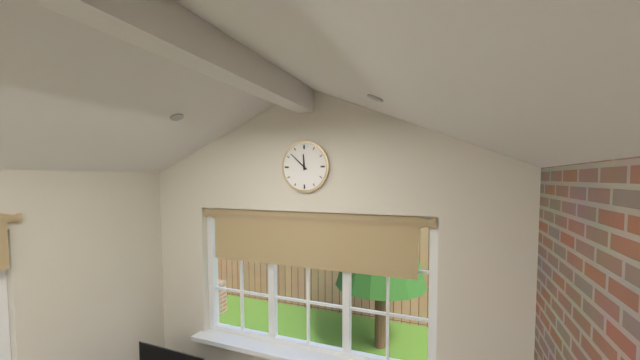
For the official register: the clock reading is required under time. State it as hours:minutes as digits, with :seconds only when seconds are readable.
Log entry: 11:52
